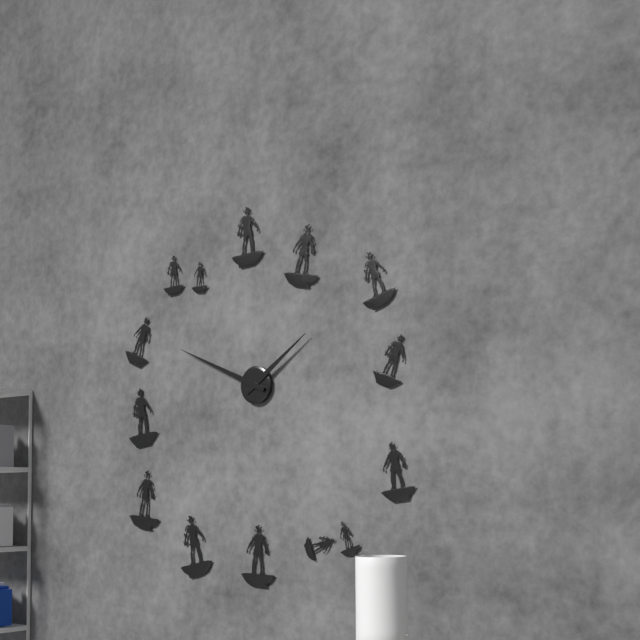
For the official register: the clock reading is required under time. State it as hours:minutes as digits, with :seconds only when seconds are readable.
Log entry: 1:49
